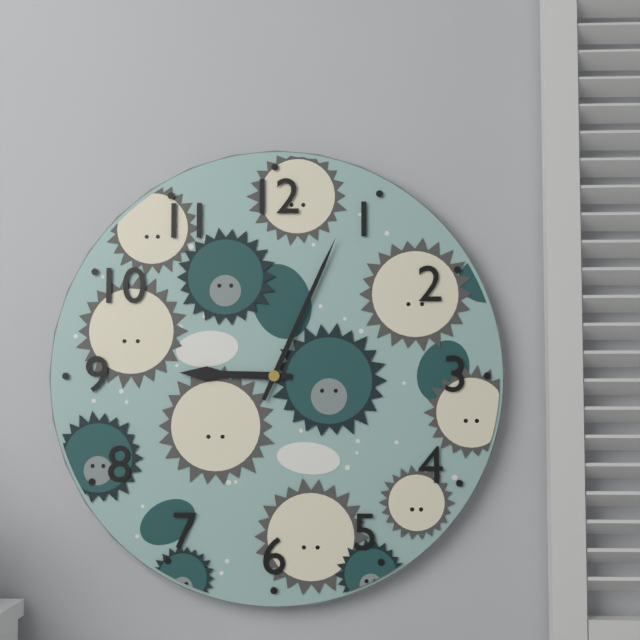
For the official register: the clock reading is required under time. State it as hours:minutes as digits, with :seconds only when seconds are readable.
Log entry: 9:04
